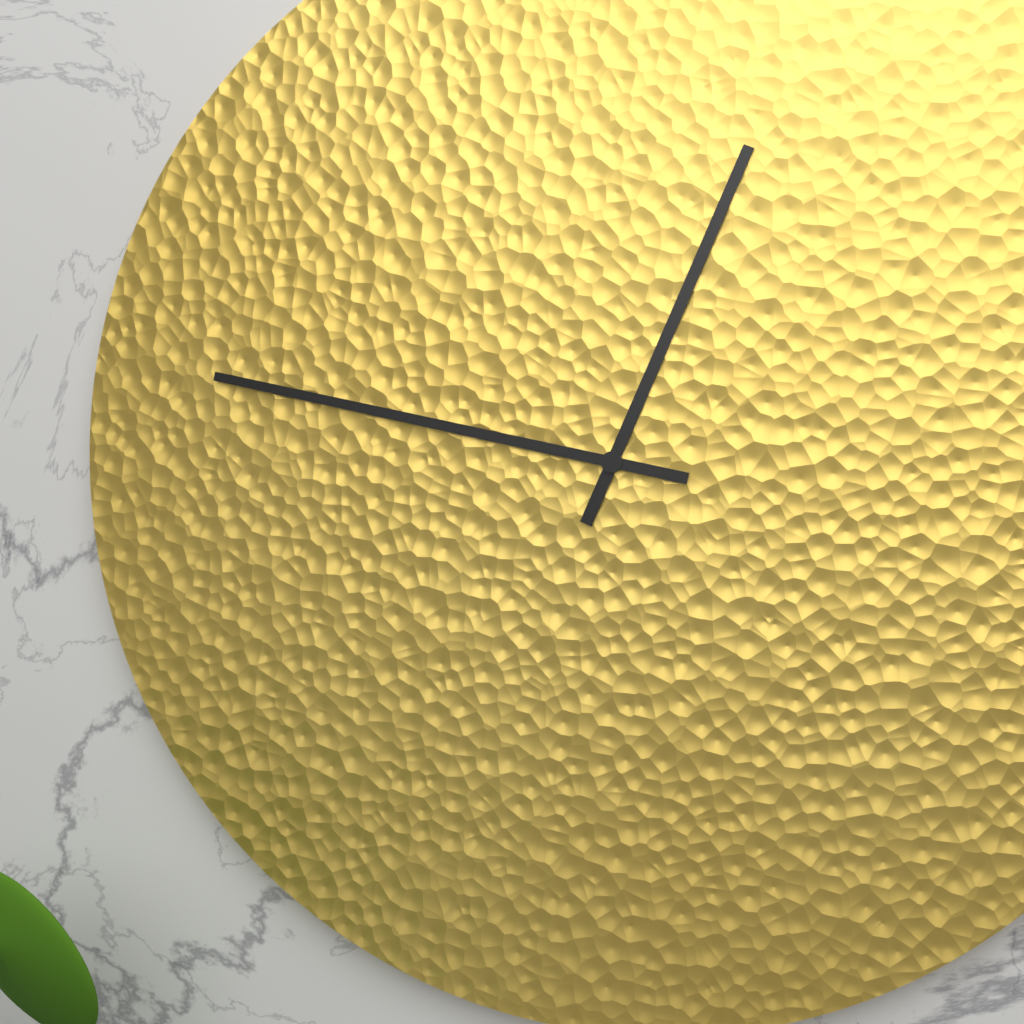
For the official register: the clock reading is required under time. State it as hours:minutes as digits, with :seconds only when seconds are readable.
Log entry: 12:47
